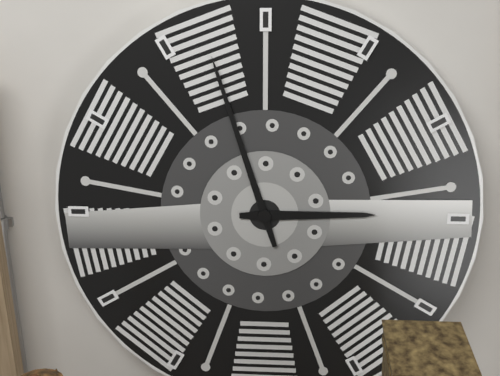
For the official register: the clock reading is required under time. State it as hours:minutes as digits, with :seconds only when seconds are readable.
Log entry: 2:57
